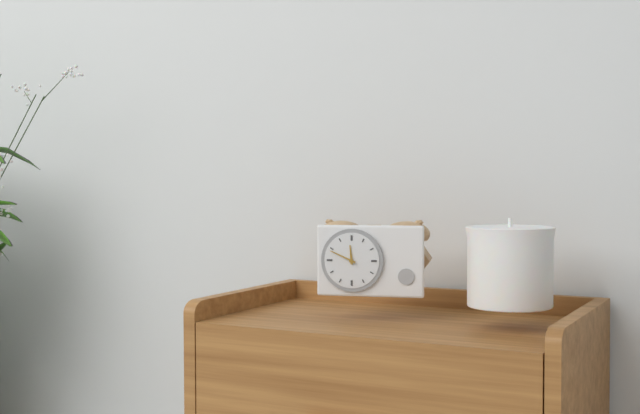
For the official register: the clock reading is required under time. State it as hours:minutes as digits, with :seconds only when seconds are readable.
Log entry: 11:49
